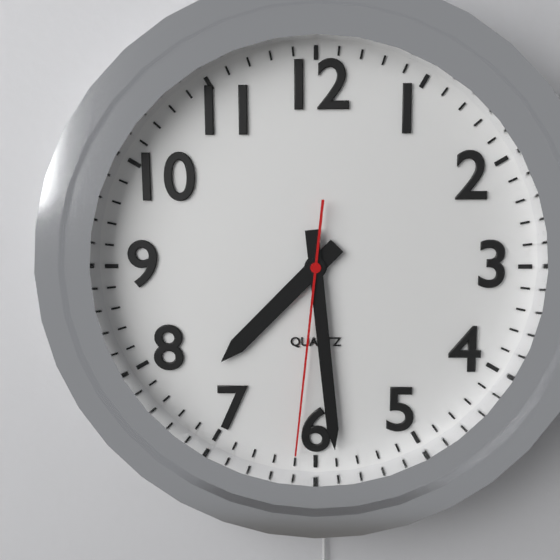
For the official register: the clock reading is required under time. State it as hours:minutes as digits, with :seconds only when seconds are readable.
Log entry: 7:29:31
